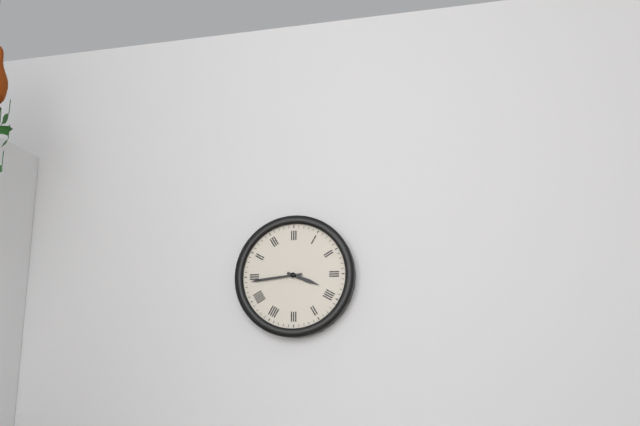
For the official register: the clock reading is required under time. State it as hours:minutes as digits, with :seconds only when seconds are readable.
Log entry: 3:44
